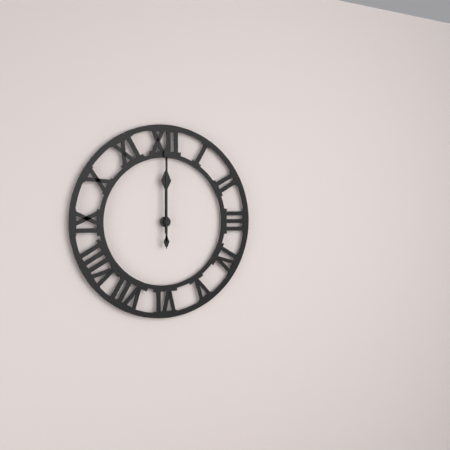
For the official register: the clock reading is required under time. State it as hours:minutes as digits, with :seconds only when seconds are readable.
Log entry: 12:00
